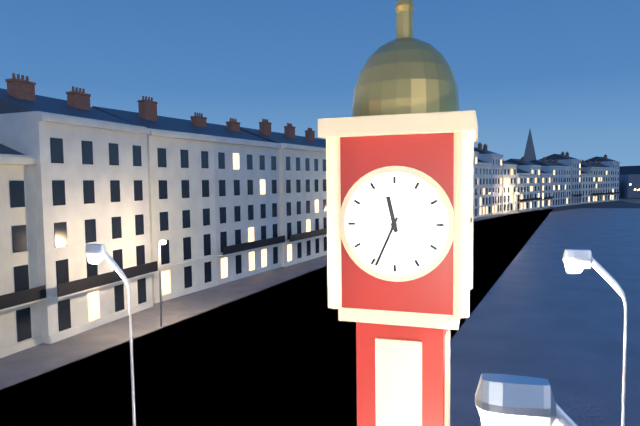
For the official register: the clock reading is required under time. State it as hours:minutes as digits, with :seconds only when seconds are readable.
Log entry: 11:34
